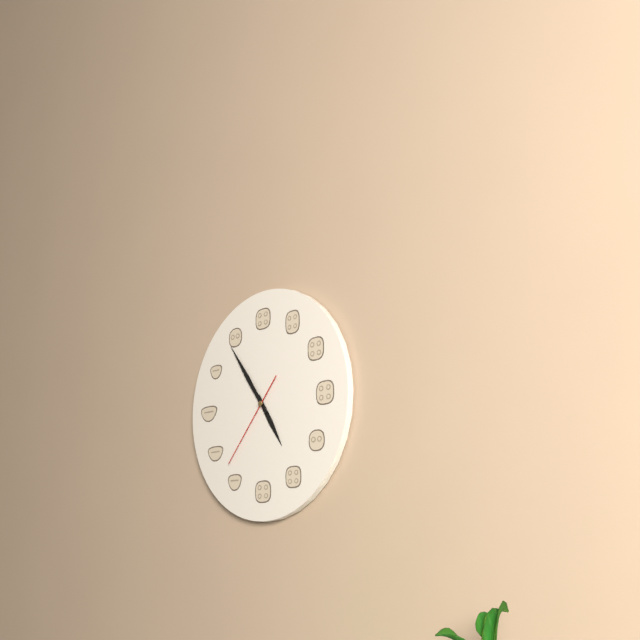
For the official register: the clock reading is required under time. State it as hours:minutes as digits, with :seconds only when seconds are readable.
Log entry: 4:54:37
